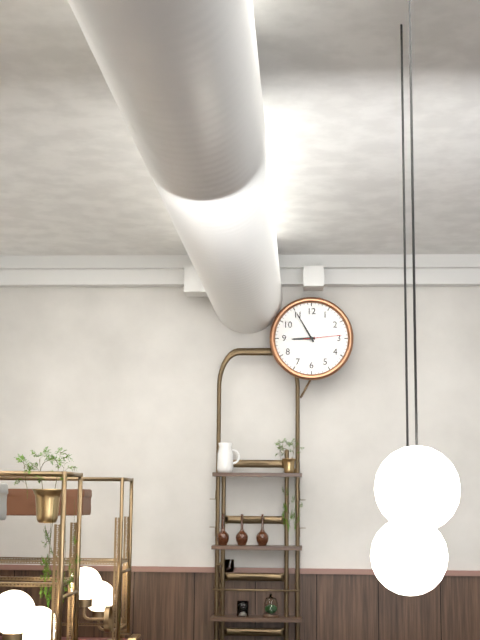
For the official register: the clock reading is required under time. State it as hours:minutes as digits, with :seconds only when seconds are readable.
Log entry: 8:55
